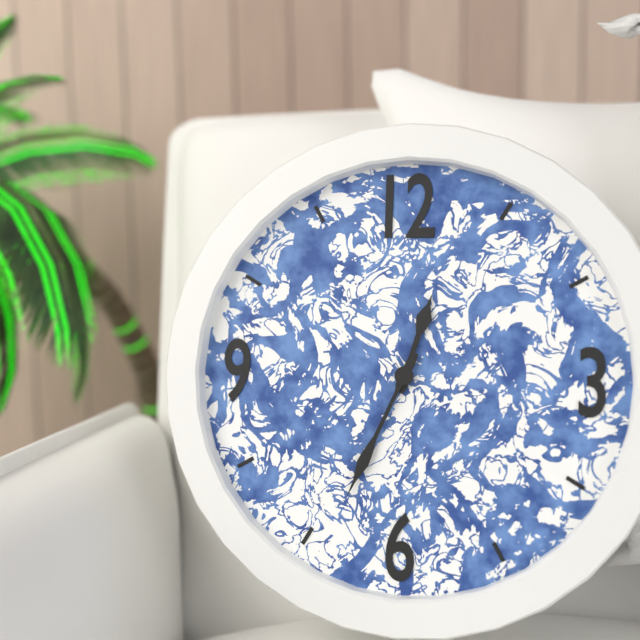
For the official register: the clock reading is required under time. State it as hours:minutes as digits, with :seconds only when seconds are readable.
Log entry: 12:34
